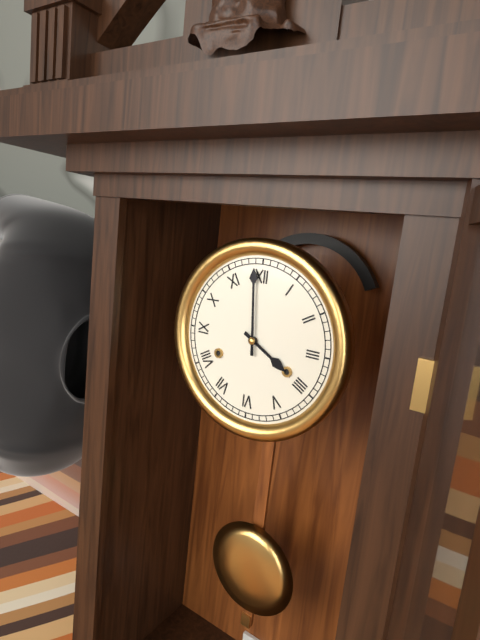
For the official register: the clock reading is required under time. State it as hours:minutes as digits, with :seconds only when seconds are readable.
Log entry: 3:59
